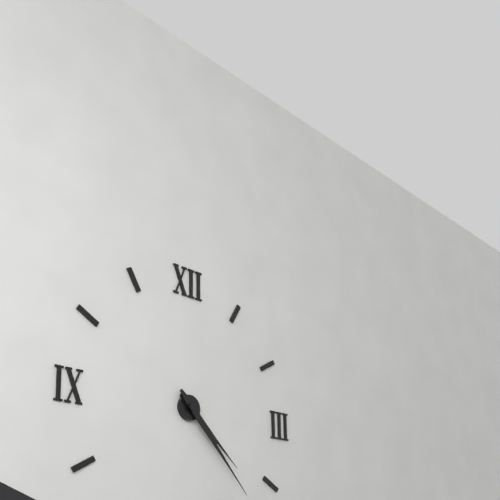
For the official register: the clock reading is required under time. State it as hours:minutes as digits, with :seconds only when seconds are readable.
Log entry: 4:23
